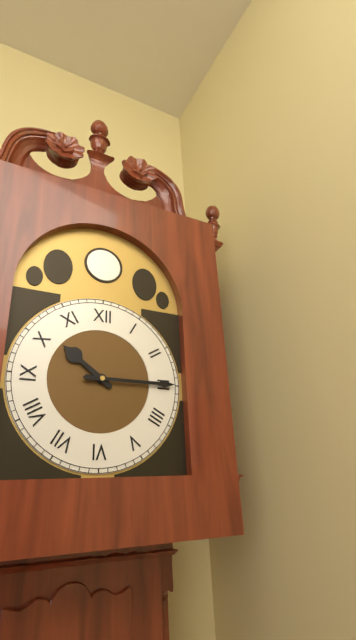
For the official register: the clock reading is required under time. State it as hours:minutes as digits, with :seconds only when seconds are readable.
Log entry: 10:15
